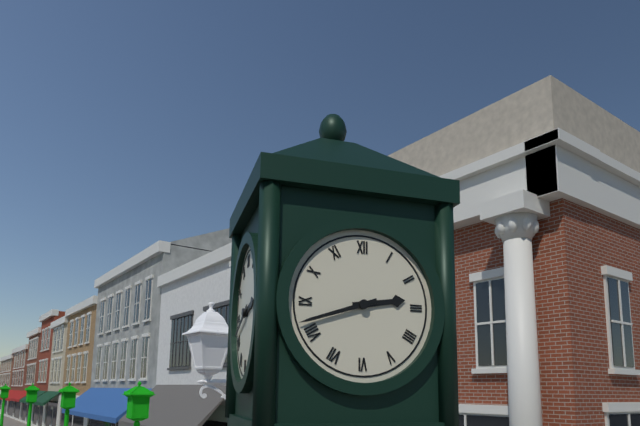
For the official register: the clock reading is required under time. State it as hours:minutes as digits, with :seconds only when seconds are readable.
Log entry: 2:42
